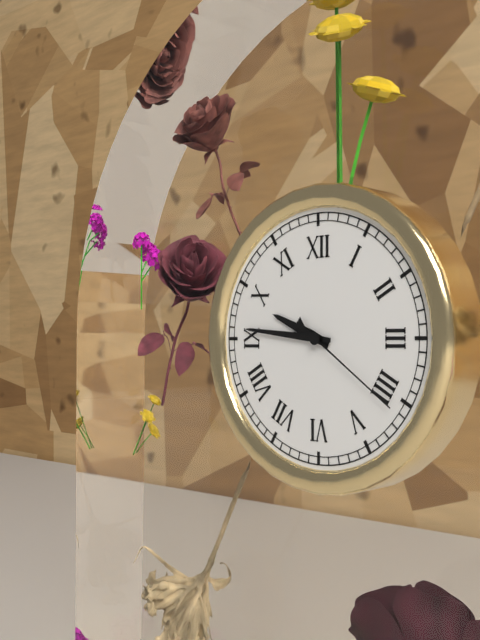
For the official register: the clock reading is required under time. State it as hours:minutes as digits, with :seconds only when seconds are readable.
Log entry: 9:46:21
